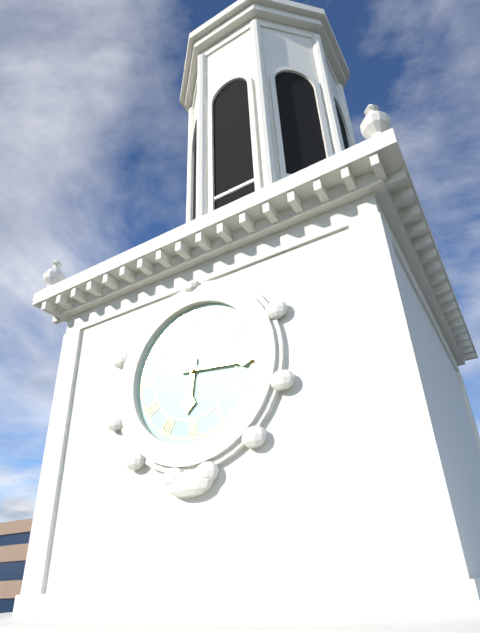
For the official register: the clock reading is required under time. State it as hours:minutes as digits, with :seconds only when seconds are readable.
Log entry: 6:16
